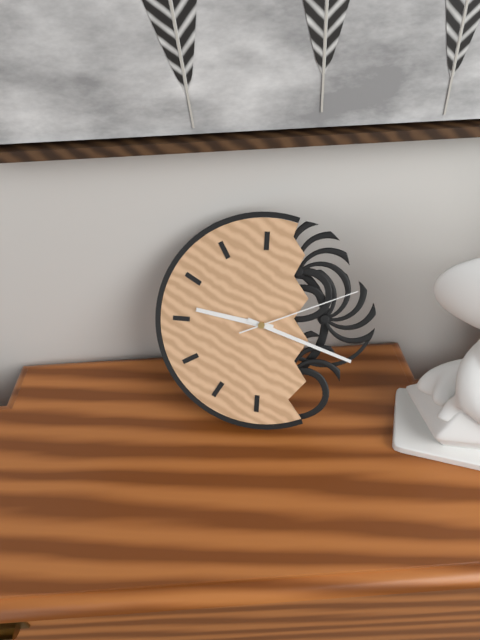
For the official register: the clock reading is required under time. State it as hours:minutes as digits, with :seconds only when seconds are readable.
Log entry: 9:18:11
